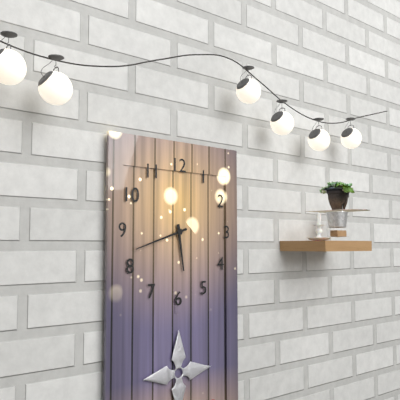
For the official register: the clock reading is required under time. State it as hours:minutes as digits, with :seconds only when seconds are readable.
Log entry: 5:42
